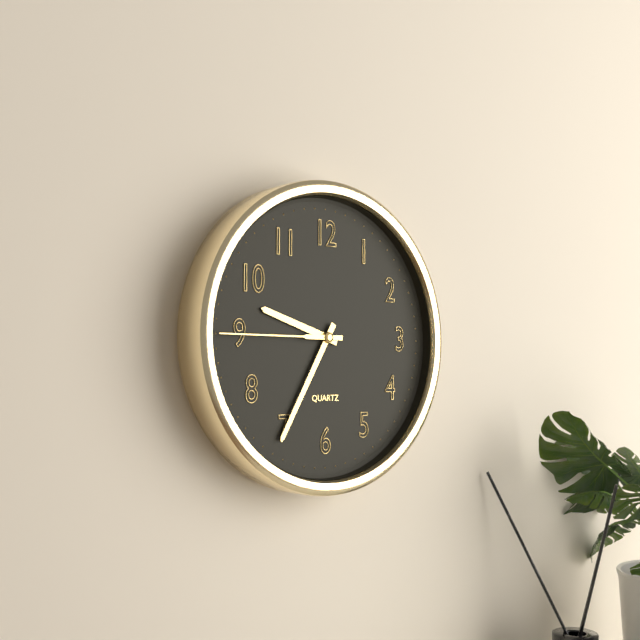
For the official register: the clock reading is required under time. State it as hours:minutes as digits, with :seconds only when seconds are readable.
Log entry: 9:35:45
